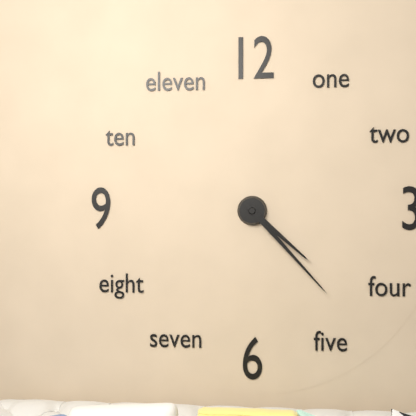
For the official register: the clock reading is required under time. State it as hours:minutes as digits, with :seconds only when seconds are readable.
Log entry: 4:23
